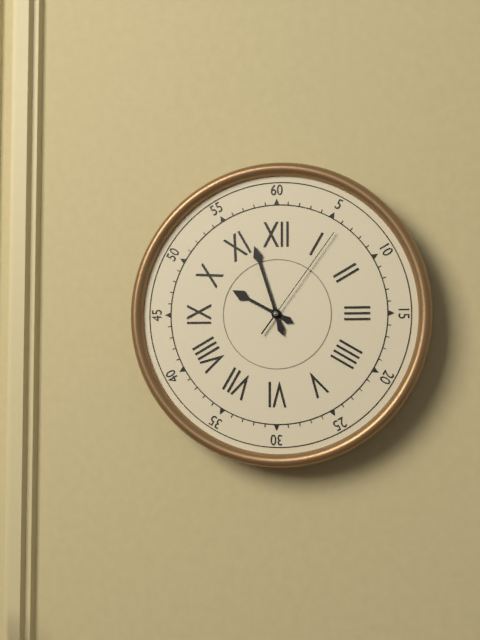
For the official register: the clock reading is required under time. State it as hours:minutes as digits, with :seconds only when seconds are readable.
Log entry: 9:57:06
